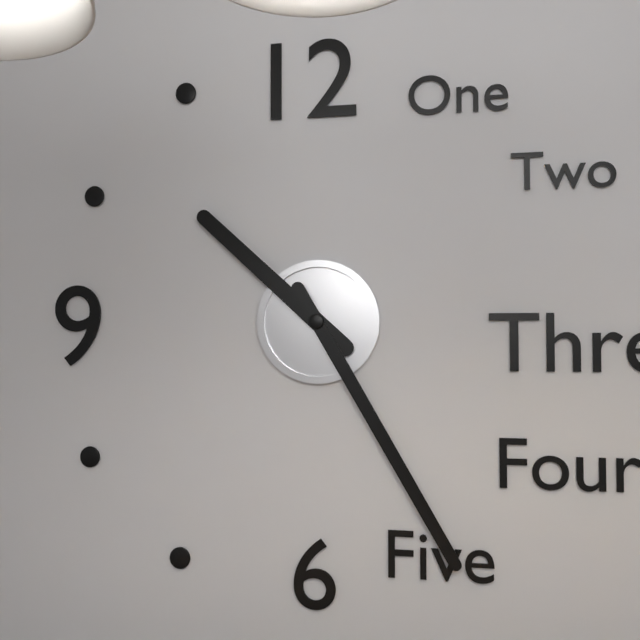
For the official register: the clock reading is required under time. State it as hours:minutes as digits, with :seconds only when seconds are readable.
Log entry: 10:25
